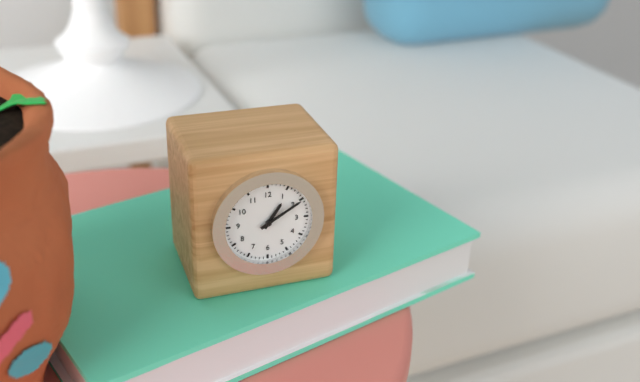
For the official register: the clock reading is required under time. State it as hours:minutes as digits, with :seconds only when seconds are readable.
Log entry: 1:10
